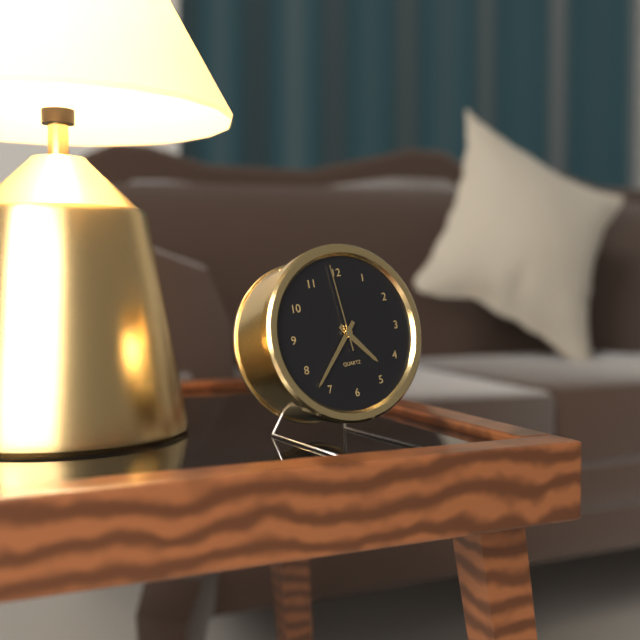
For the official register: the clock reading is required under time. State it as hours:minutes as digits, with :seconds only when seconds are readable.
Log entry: 4:37:59
